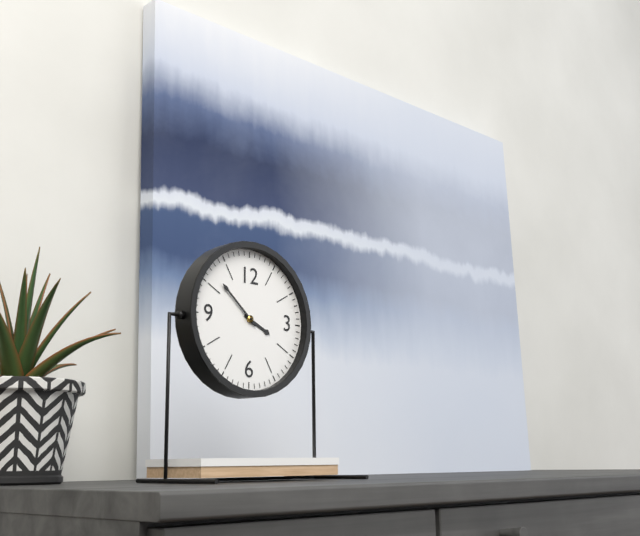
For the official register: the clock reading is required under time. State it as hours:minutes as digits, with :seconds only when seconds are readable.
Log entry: 3:52
